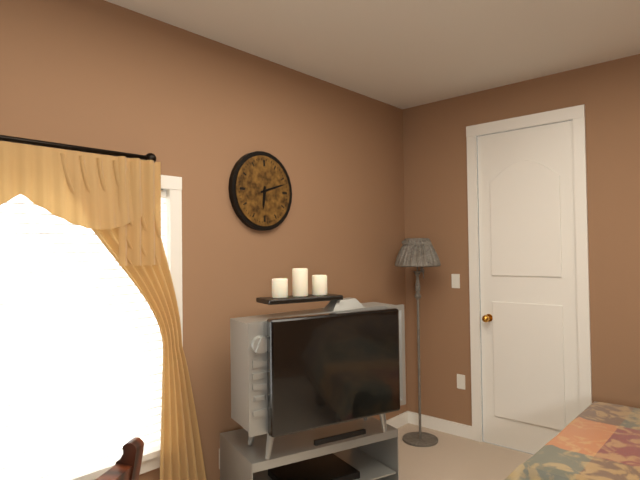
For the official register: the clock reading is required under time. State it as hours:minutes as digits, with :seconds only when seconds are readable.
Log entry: 6:12
